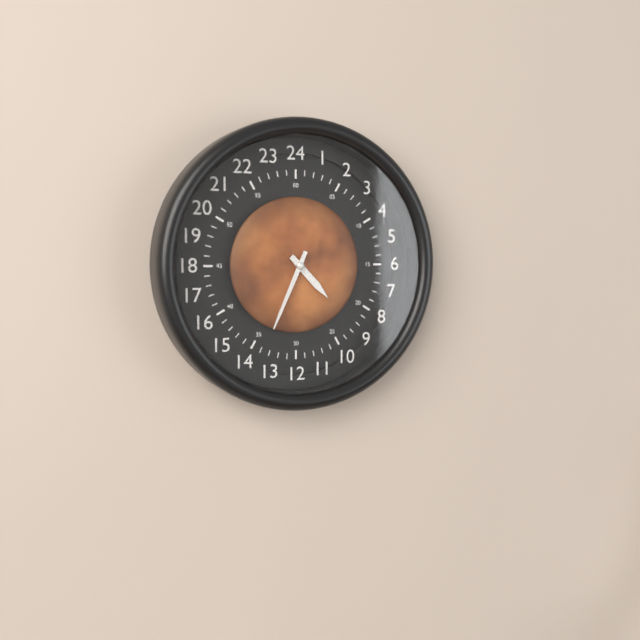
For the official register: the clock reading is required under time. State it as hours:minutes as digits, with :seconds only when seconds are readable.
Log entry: 4:34
